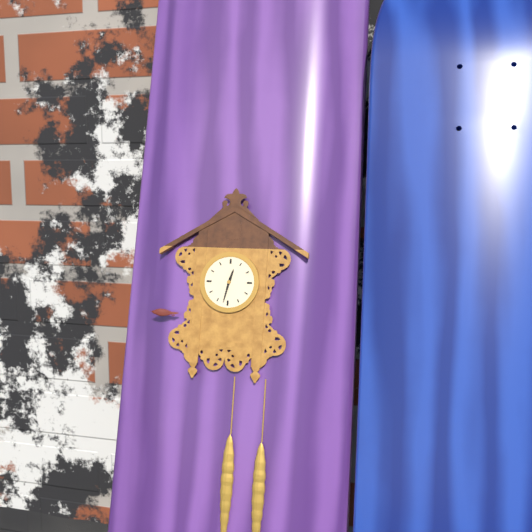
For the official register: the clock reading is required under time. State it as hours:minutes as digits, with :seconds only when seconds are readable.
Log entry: 12:32
